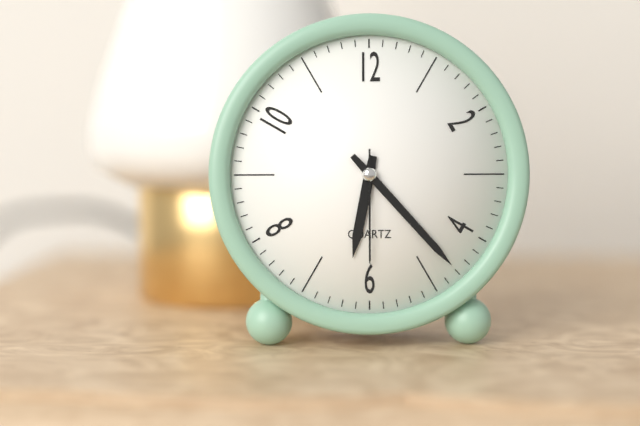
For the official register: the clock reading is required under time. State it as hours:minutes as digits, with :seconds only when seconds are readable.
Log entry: 6:23:30
